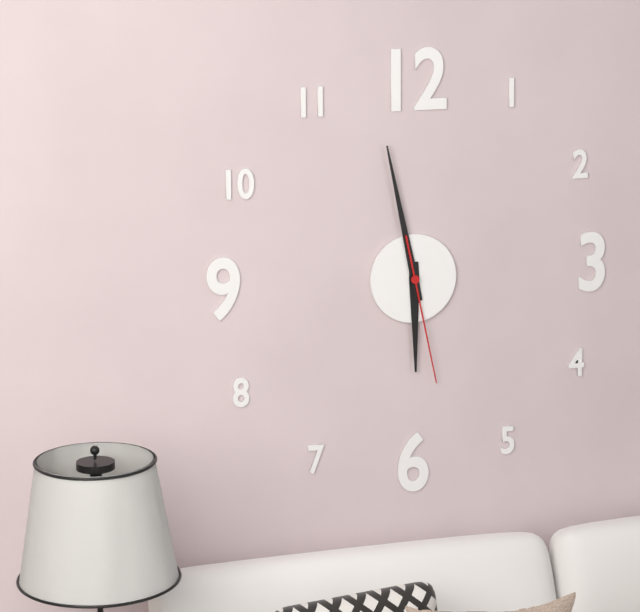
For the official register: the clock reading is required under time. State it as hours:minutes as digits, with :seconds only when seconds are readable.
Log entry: 5:58:28
